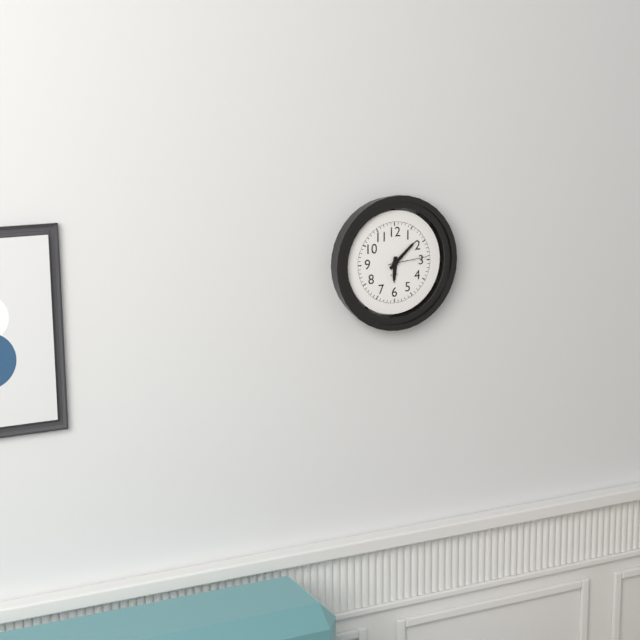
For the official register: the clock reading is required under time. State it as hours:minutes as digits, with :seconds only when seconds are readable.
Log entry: 6:08
